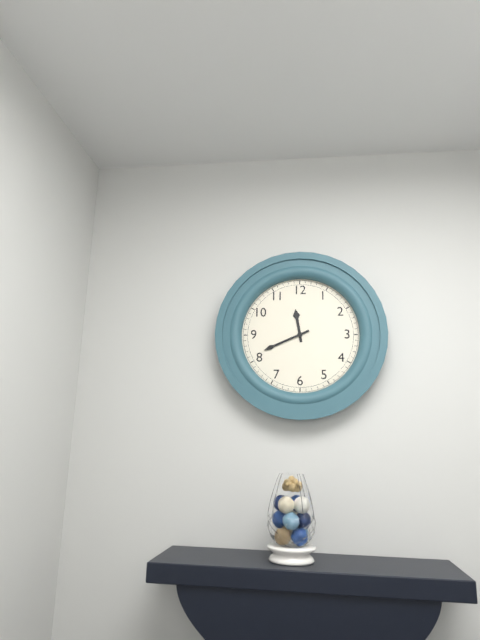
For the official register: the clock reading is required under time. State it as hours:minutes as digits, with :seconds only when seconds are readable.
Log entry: 11:41
